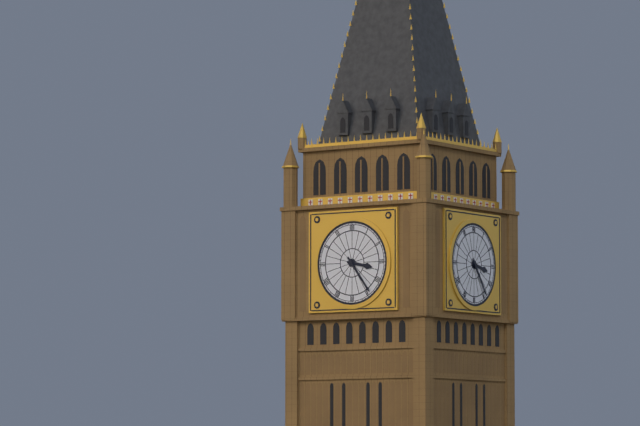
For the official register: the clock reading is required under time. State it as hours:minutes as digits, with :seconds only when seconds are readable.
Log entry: 3:24
